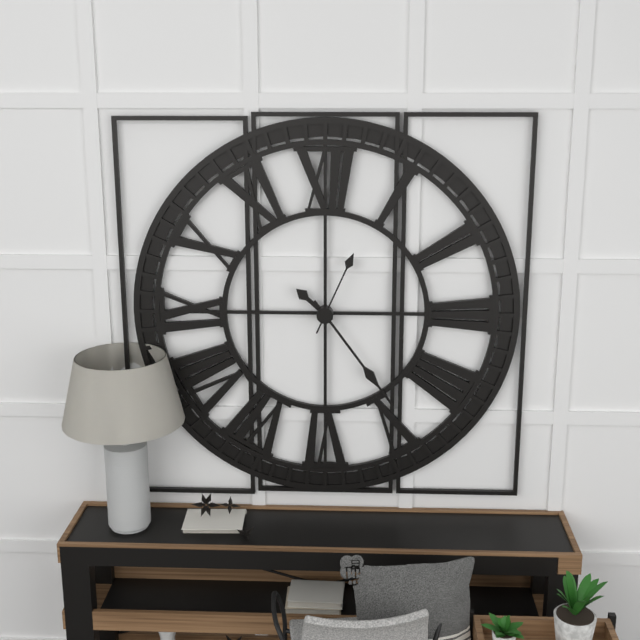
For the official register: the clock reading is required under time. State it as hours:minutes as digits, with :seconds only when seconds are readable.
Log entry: 10:24:04
